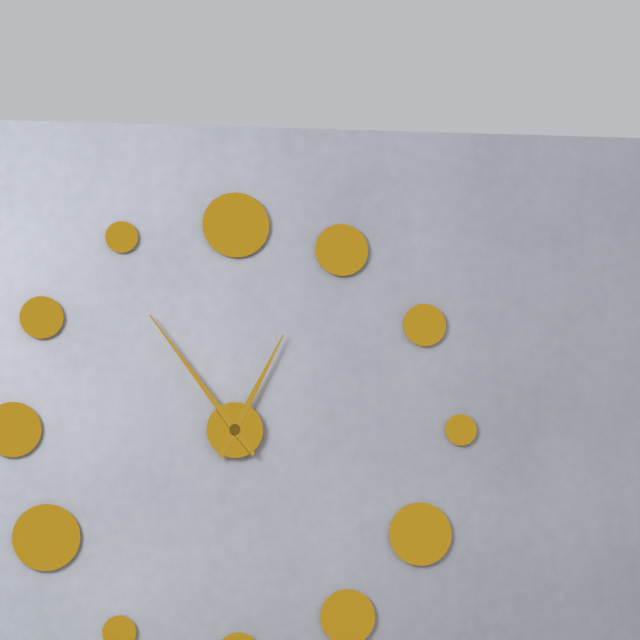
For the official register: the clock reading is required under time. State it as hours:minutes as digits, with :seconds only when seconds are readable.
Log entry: 12:54
